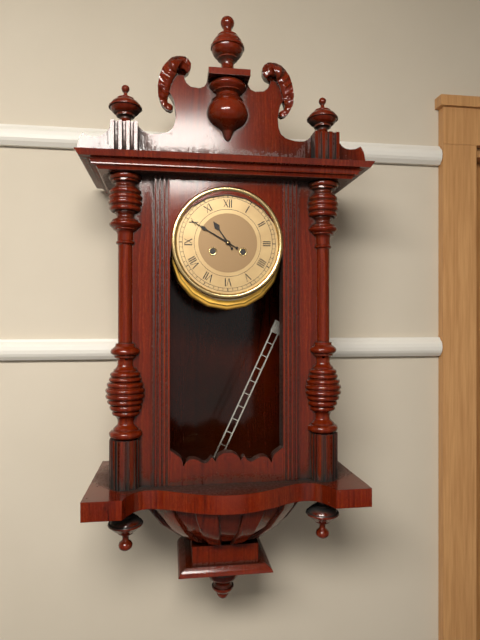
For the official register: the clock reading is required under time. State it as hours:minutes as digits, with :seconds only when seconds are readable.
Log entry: 10:50
